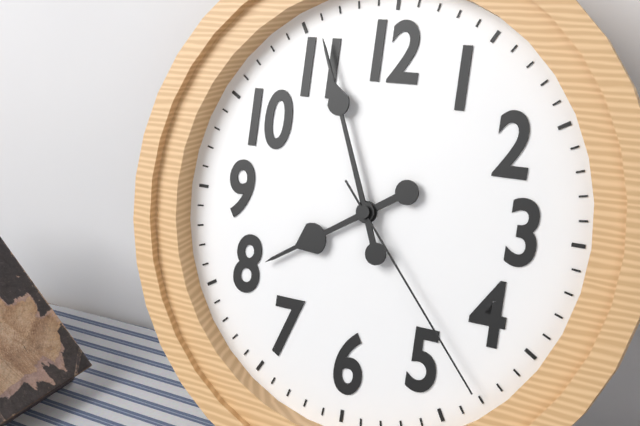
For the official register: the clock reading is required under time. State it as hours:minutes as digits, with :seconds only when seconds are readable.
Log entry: 7:56:23
